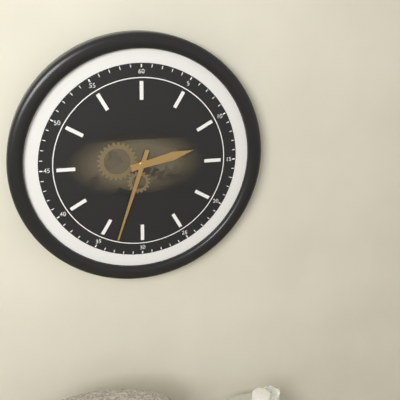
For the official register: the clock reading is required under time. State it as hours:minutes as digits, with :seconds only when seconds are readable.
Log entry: 2:33
